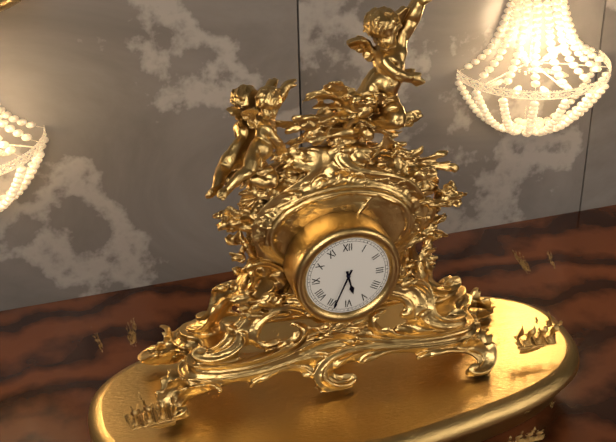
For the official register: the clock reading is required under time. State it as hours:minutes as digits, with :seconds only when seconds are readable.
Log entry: 5:34
